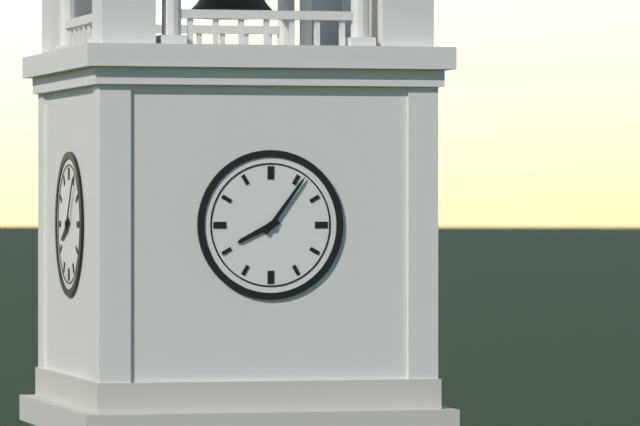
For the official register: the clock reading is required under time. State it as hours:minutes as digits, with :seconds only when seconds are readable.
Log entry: 8:06
